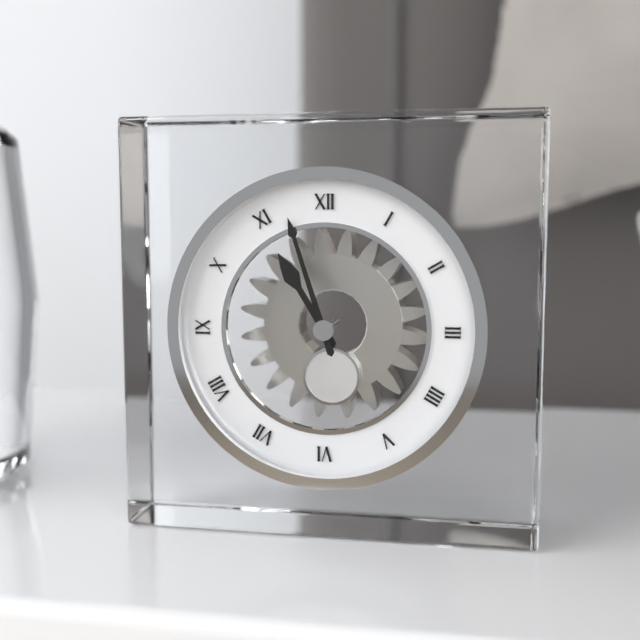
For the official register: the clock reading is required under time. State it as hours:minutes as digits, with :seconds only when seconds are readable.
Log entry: 10:57
